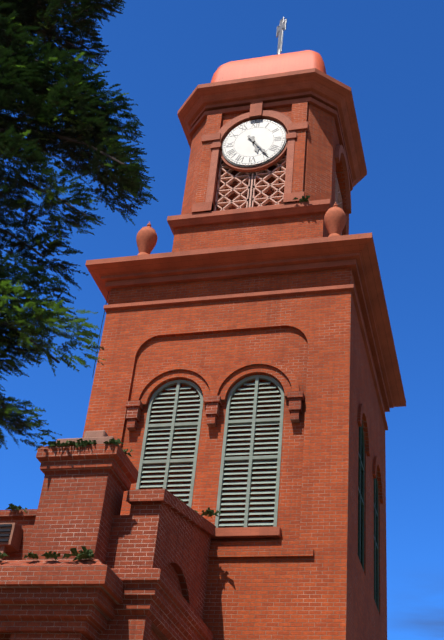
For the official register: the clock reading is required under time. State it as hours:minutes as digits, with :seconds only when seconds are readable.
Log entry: 5:24
